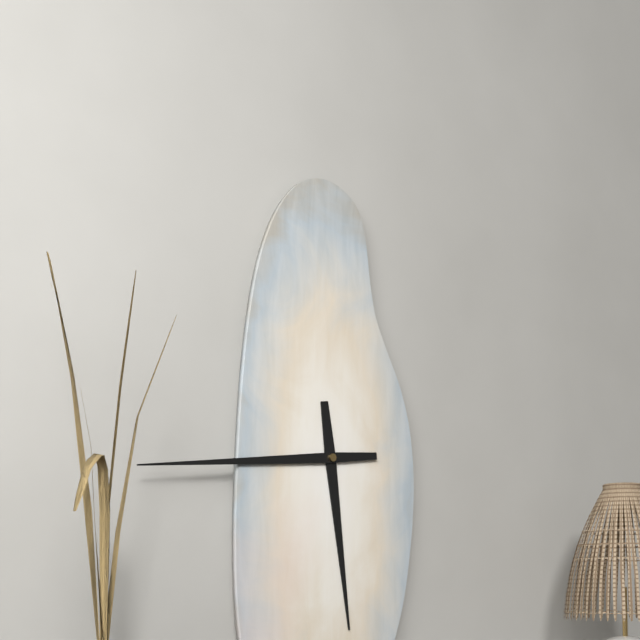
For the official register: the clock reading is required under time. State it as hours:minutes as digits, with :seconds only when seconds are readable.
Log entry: 5:44
